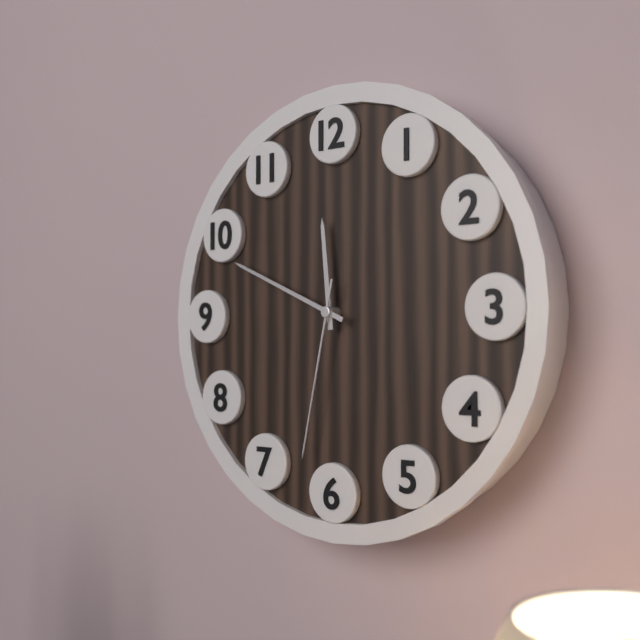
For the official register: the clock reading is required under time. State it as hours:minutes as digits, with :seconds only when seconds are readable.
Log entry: 11:49:32
